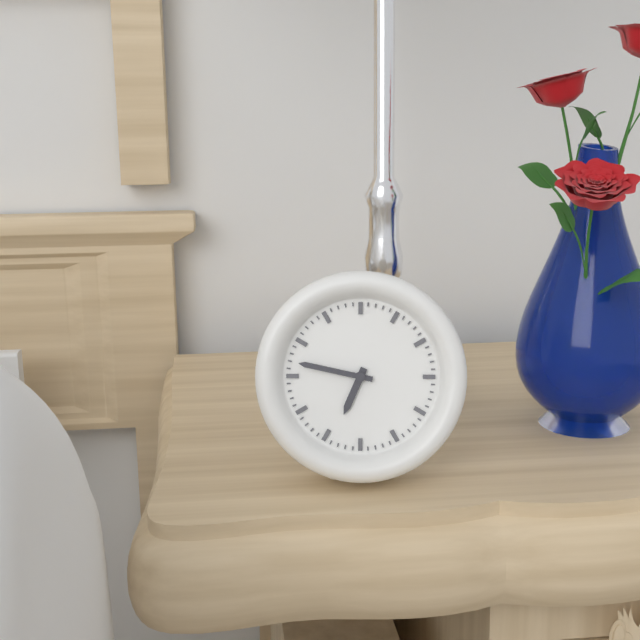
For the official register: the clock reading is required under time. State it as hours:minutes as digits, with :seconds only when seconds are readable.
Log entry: 6:47
